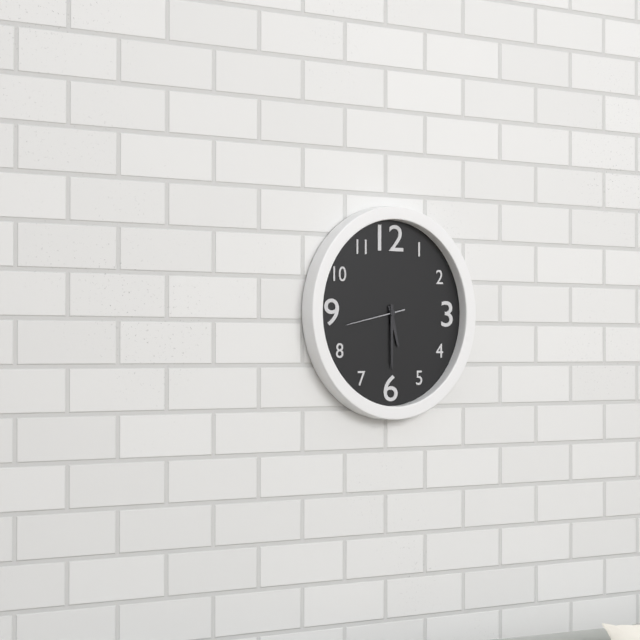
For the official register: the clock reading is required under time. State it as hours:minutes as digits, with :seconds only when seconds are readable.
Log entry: 5:30:43
